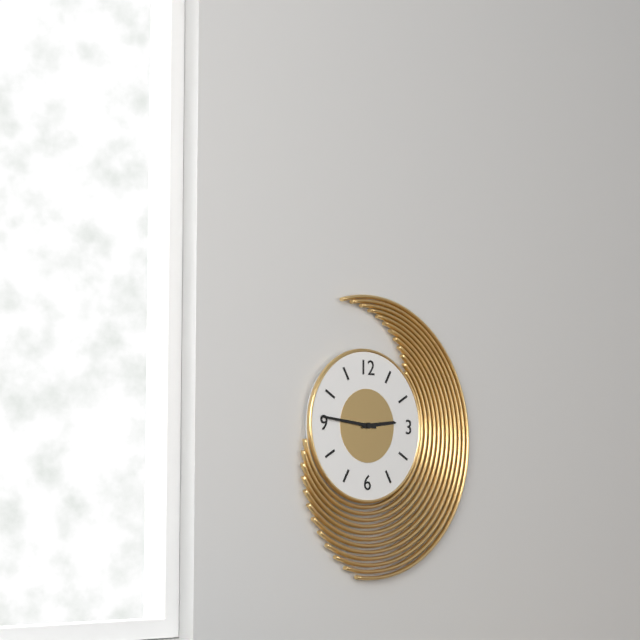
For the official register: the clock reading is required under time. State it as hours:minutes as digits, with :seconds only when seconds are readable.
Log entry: 2:46
